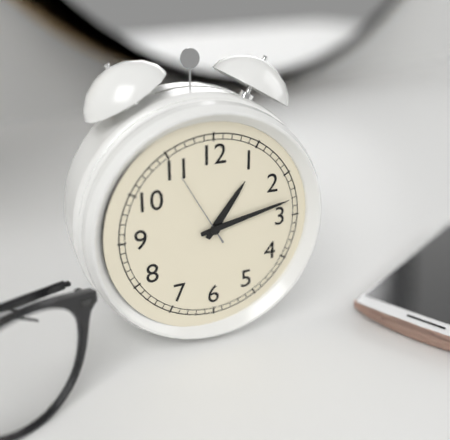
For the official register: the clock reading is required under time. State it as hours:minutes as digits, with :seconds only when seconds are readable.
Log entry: 1:13:55
